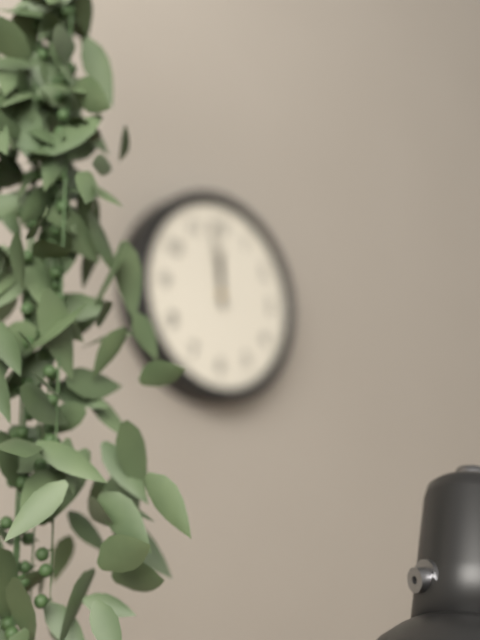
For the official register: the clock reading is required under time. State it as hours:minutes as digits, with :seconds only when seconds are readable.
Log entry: 11:58
